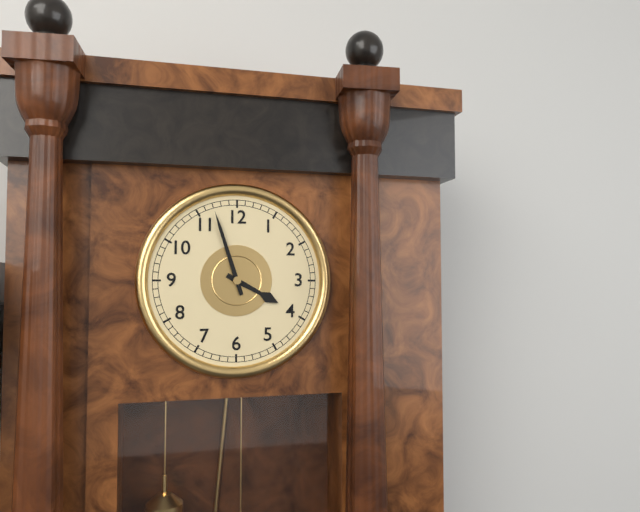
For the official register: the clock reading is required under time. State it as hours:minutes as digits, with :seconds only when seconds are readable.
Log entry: 3:57
